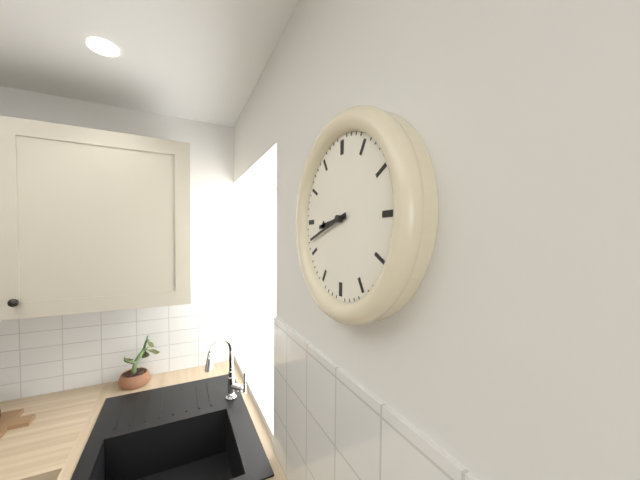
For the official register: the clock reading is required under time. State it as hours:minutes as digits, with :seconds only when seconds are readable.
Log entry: 8:42
